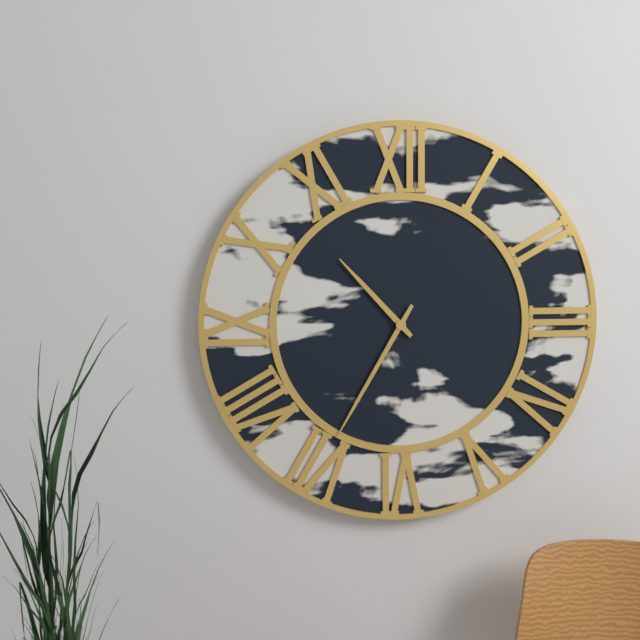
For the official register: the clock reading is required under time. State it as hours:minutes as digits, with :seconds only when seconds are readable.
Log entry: 10:35
